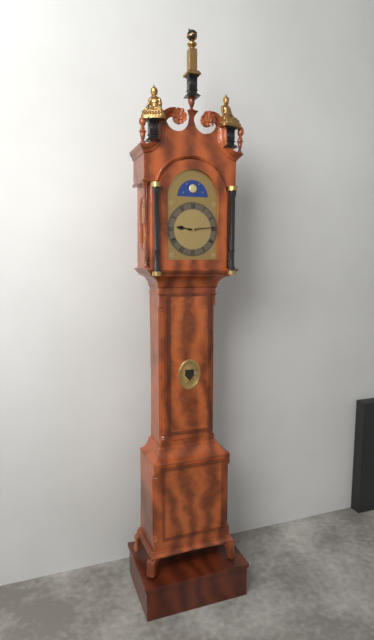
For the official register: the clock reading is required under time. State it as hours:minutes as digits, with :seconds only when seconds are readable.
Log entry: 9:14
